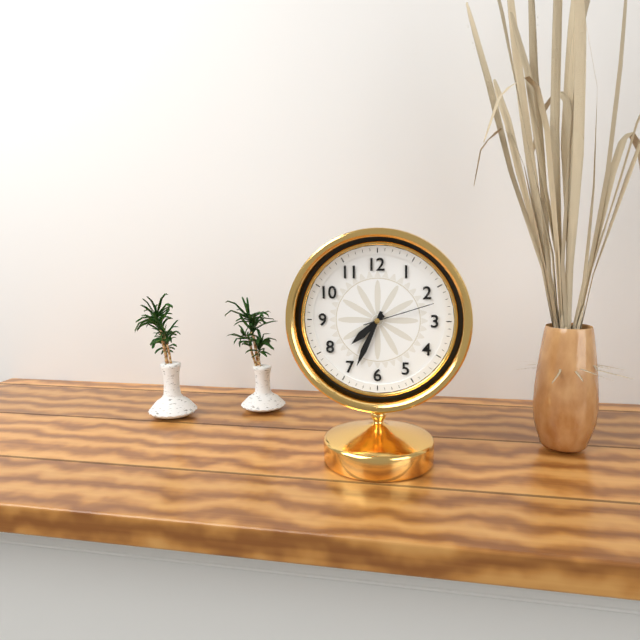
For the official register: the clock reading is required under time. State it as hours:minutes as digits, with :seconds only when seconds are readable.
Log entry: 7:34:12
